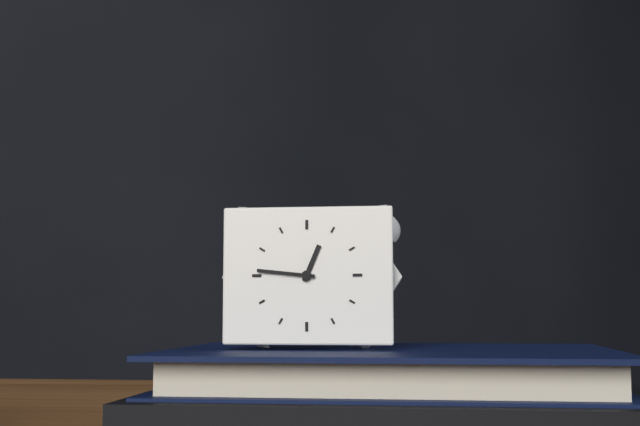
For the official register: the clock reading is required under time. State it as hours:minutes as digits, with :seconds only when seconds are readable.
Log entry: 12:46
